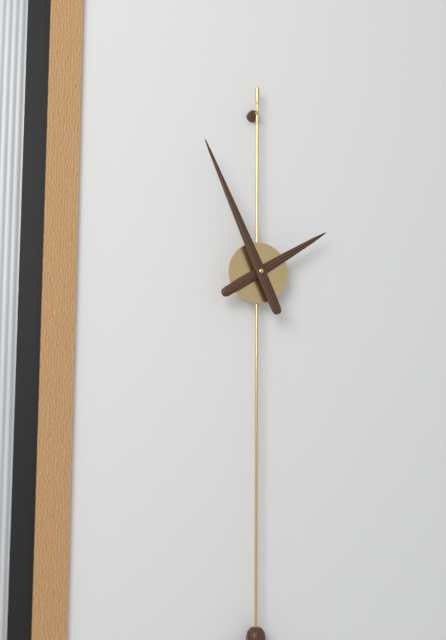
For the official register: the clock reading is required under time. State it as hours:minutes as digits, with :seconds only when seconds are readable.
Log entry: 1:56
